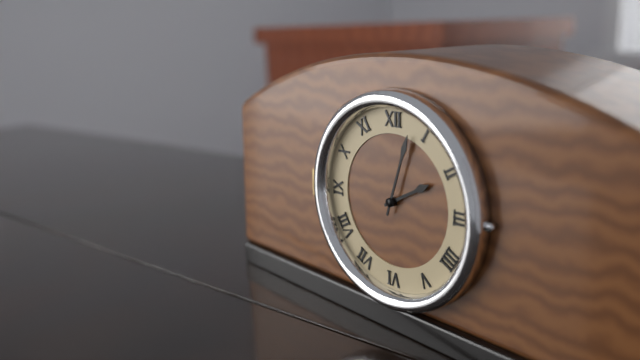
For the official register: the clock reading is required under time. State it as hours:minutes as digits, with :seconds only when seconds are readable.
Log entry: 2:03
